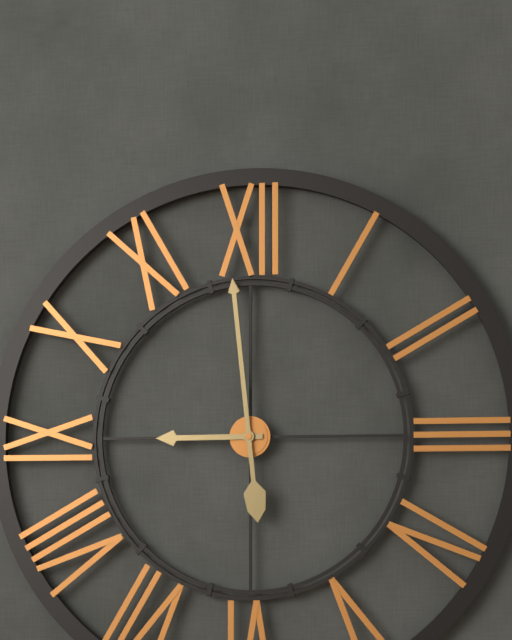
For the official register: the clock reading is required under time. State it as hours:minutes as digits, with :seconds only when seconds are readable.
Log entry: 8:59
